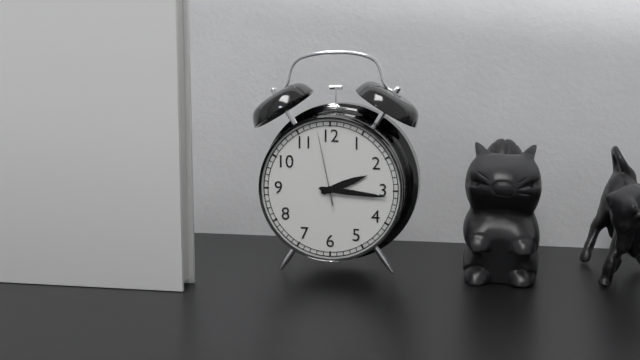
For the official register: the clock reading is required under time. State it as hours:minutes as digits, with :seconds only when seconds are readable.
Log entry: 2:16:58
